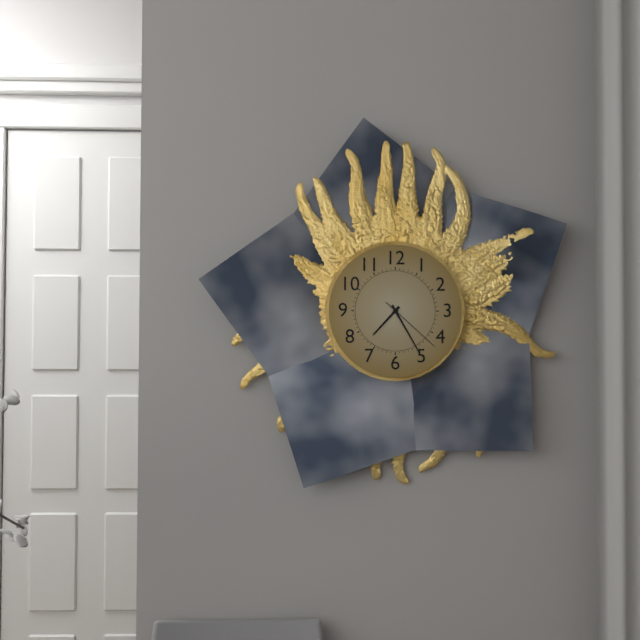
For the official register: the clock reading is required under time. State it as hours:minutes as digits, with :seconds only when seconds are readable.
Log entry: 7:25:22
